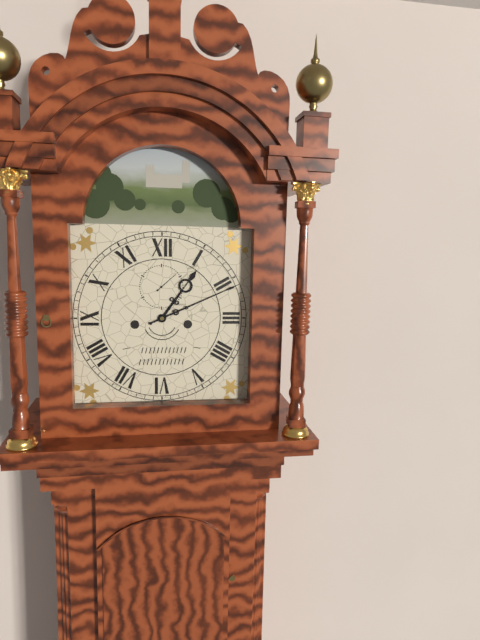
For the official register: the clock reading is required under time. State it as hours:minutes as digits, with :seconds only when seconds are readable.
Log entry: 1:11
